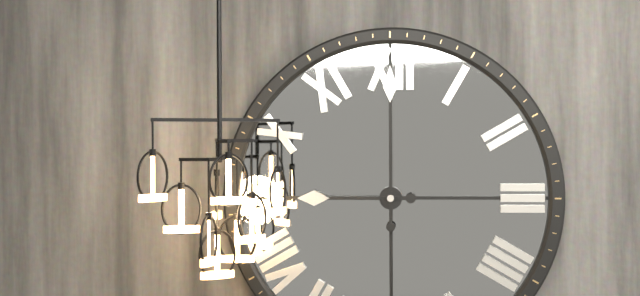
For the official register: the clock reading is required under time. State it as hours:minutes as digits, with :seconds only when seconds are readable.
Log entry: 9:00
